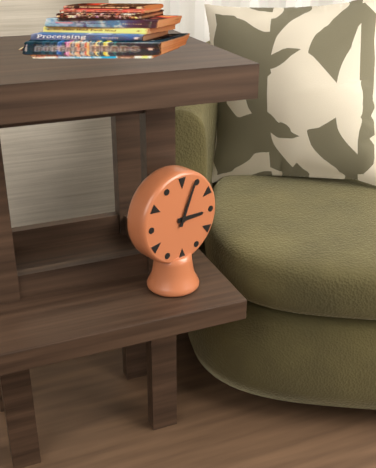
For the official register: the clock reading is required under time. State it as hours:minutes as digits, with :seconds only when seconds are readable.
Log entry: 3:04
